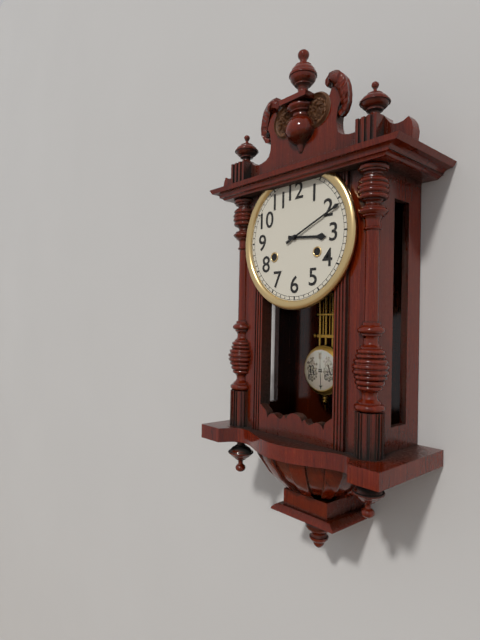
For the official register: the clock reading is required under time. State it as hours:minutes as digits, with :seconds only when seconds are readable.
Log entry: 3:11
